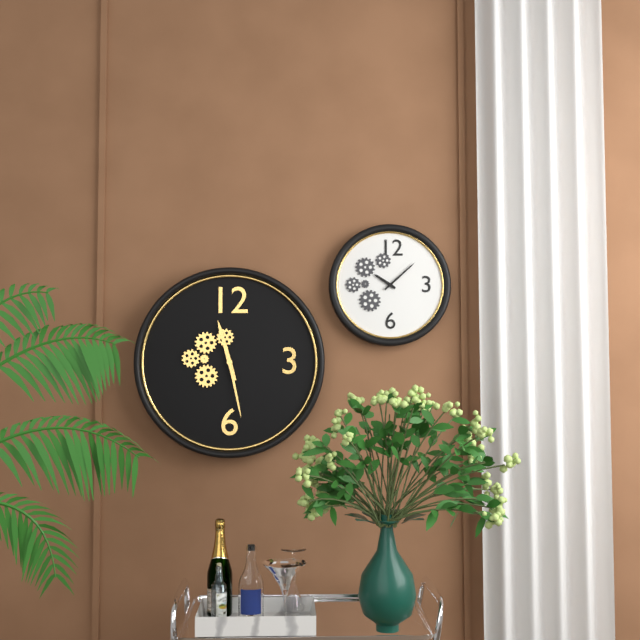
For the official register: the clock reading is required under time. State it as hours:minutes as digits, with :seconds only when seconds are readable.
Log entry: 11:28
